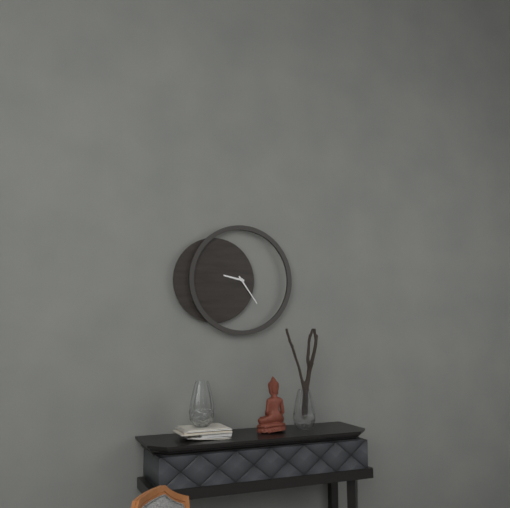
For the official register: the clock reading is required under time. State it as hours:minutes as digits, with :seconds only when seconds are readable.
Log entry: 9:24
